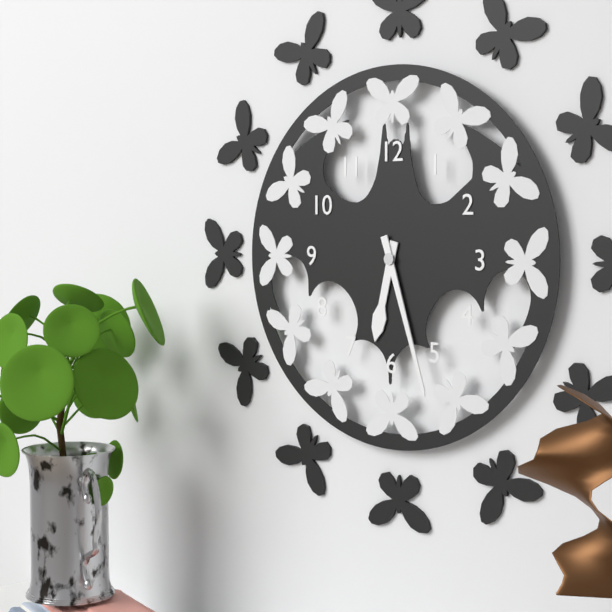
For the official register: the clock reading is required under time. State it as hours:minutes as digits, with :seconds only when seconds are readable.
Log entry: 6:27
